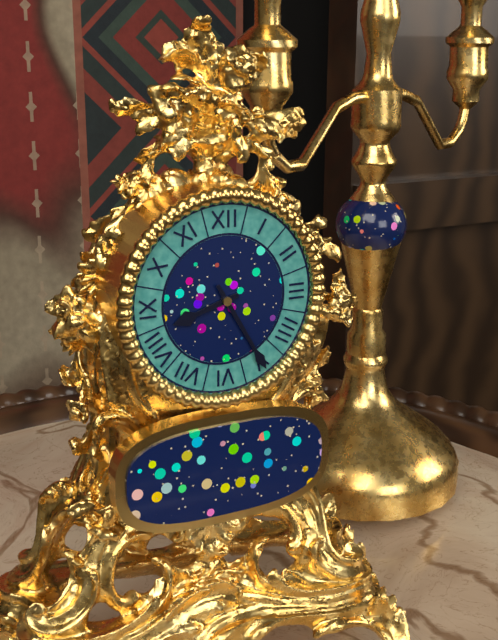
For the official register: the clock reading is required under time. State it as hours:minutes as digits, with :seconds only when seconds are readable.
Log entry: 8:25
